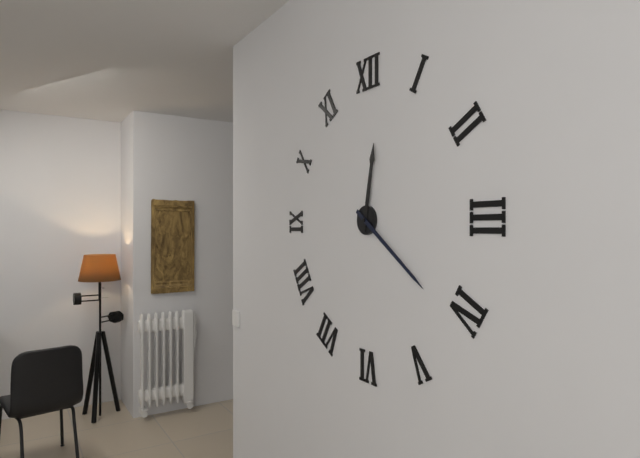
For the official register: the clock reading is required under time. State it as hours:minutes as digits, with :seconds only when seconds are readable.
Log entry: 12:21
